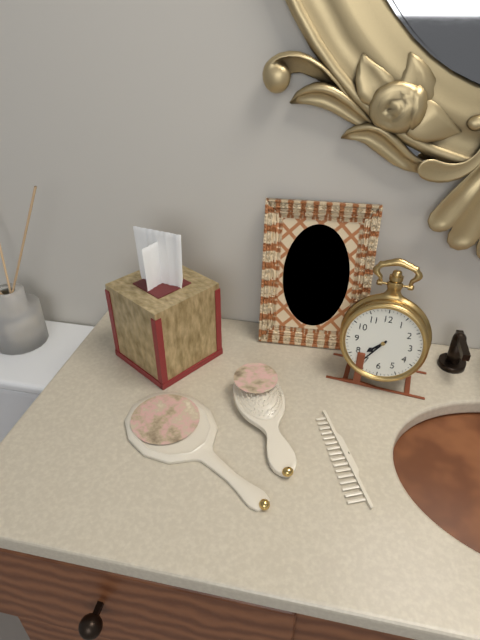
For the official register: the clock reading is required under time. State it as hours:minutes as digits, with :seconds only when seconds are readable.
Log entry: 7:36
